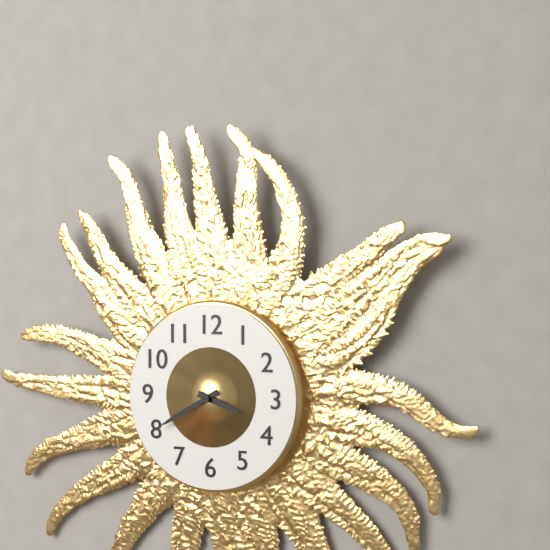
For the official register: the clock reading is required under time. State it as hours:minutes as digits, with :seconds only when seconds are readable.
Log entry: 3:40
